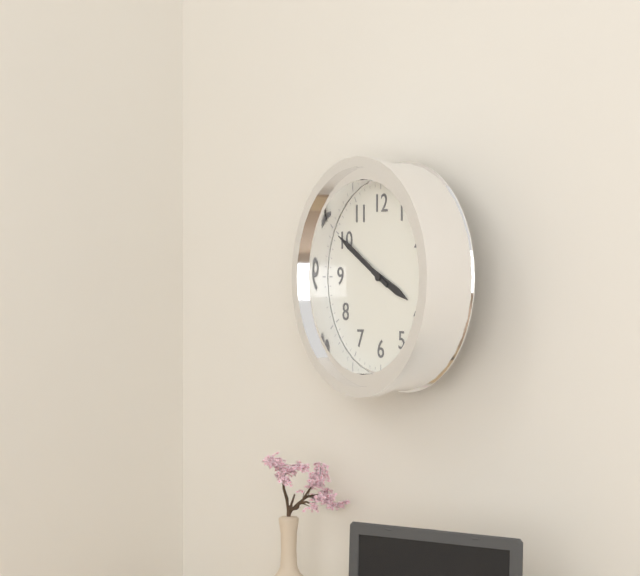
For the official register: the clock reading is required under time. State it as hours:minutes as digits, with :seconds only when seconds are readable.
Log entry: 3:50
